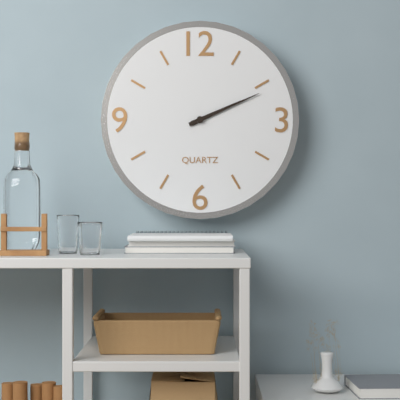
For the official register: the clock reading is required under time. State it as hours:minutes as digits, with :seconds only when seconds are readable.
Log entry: 2:11
